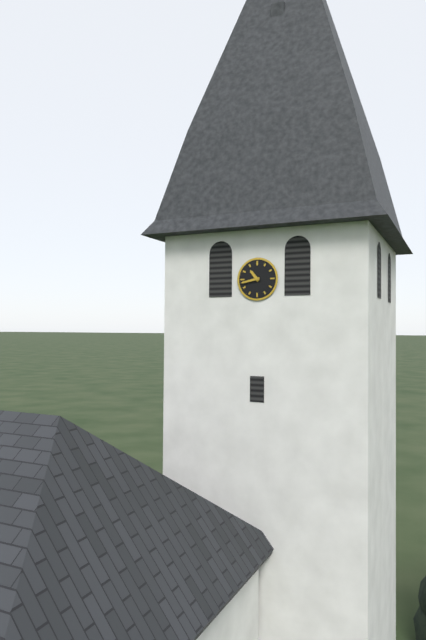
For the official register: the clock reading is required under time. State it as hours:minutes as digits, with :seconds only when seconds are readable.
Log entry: 10:43
